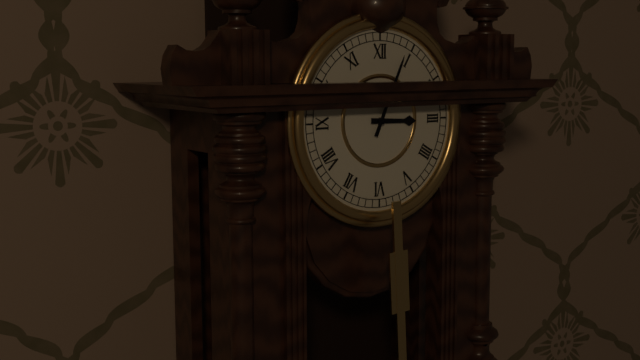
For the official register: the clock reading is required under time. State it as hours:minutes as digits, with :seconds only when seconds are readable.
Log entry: 3:04
